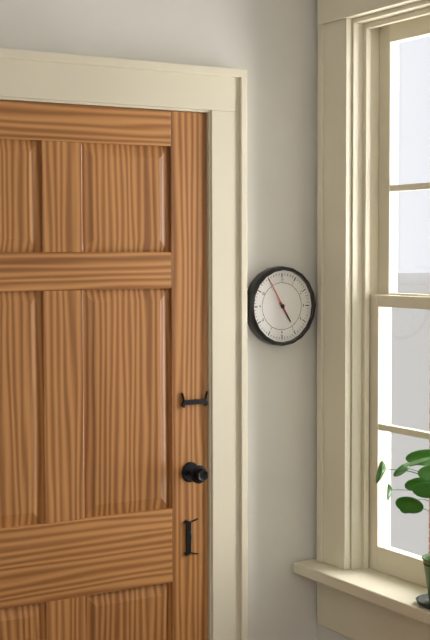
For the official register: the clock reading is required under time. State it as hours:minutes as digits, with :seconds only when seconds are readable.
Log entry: 4:55
